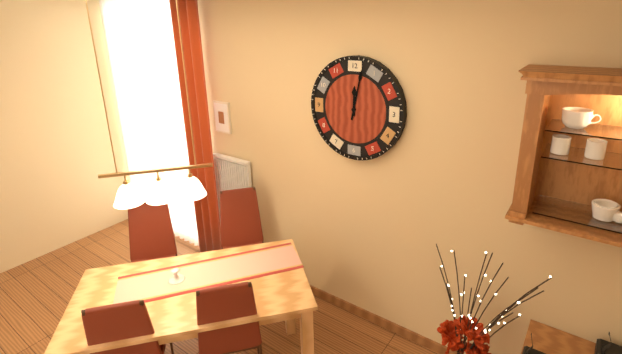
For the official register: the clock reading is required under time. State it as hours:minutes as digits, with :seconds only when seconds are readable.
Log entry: 12:02
